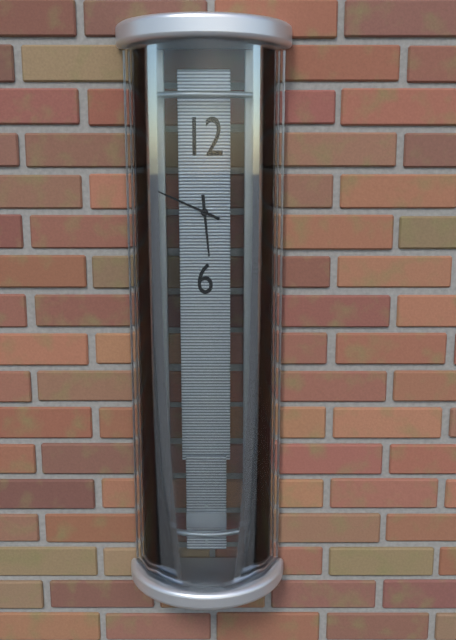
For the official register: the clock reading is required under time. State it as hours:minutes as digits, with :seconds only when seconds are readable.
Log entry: 5:49
